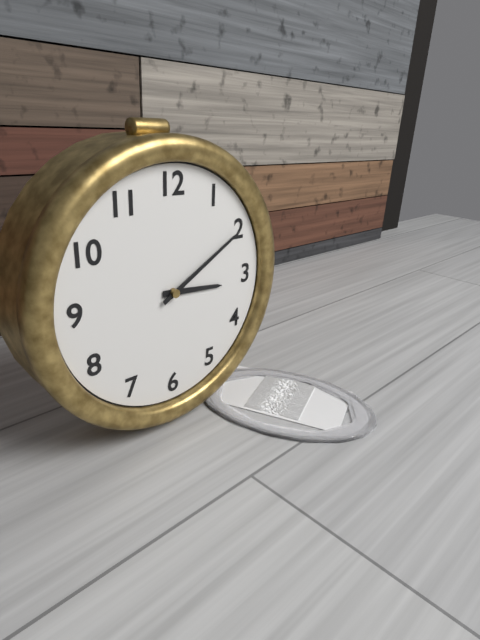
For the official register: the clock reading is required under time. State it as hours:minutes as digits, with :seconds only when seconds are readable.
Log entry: 3:10
